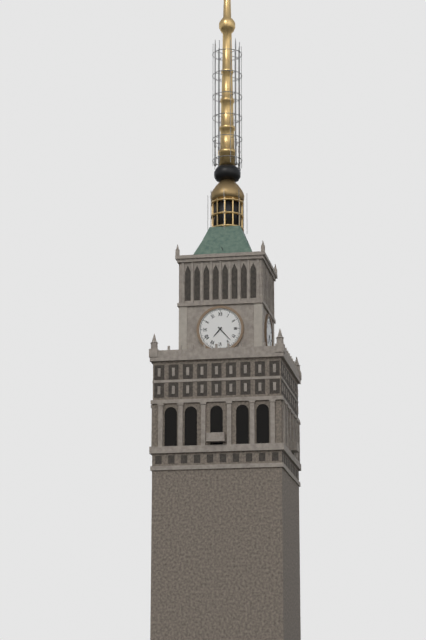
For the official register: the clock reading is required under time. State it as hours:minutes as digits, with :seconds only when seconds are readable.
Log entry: 7:23
